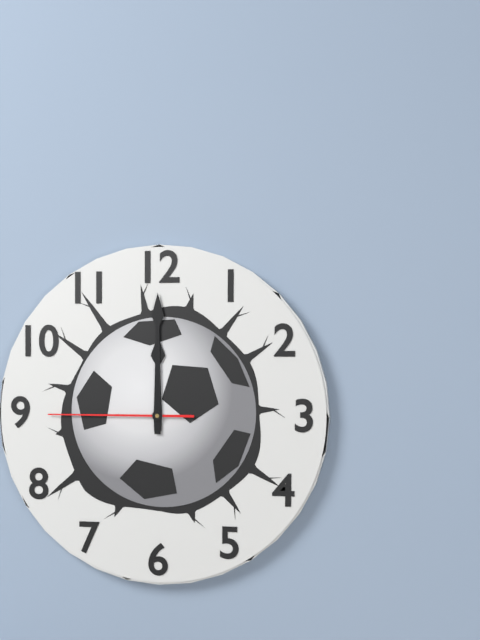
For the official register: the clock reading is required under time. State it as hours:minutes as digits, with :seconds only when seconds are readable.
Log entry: 12:00:45
